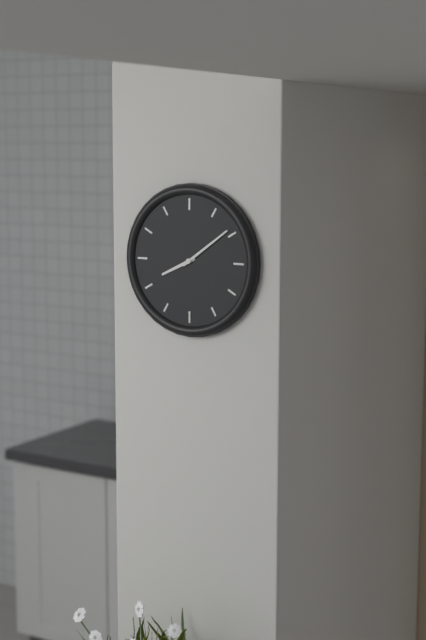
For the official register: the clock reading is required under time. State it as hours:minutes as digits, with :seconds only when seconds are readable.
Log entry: 8:09
